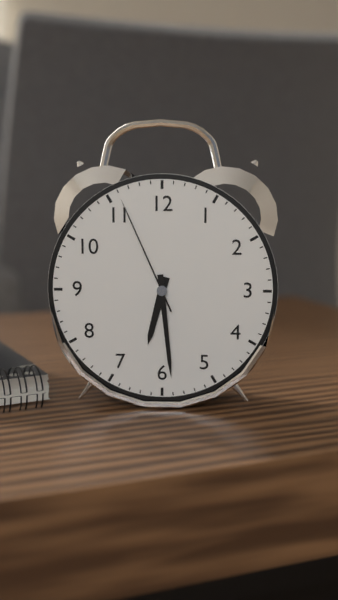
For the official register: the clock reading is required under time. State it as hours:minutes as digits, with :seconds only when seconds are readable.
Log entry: 6:29:56
